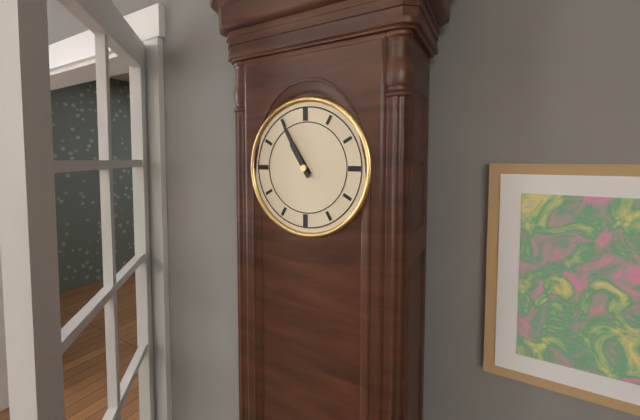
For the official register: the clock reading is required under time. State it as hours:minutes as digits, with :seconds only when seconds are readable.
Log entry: 10:55
